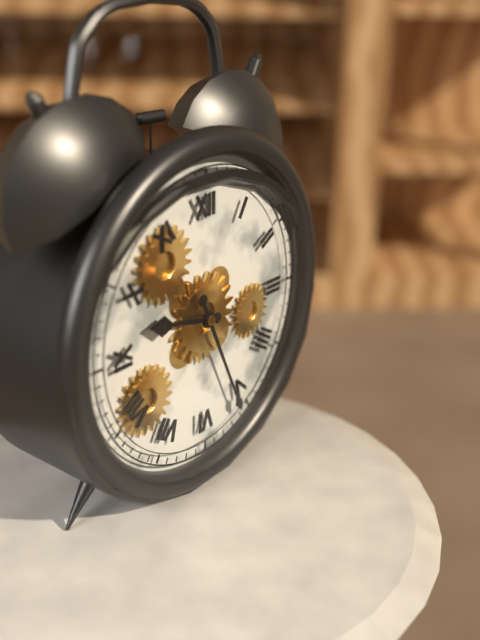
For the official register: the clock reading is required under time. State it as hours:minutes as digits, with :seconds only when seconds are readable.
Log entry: 9:26
